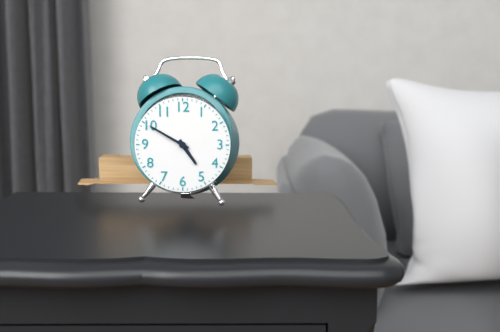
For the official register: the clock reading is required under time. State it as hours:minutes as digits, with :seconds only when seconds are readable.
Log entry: 4:50
